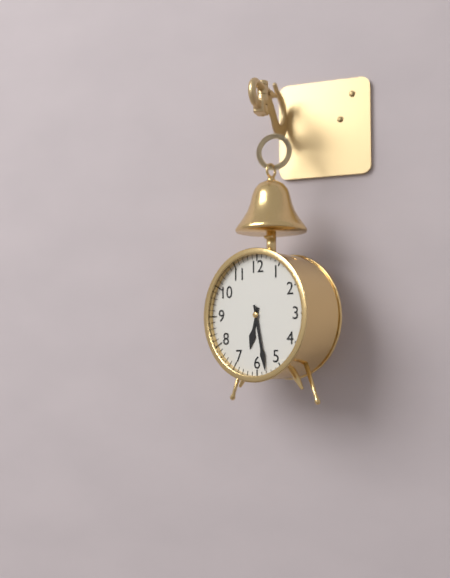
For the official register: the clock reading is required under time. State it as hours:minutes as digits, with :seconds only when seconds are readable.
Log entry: 6:28
